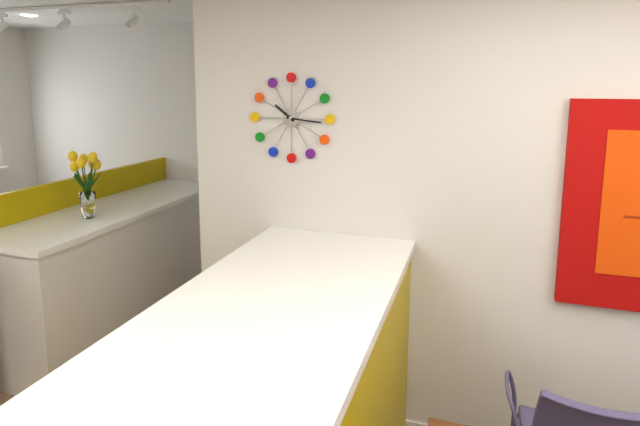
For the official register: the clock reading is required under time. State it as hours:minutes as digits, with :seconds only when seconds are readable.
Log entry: 10:16
